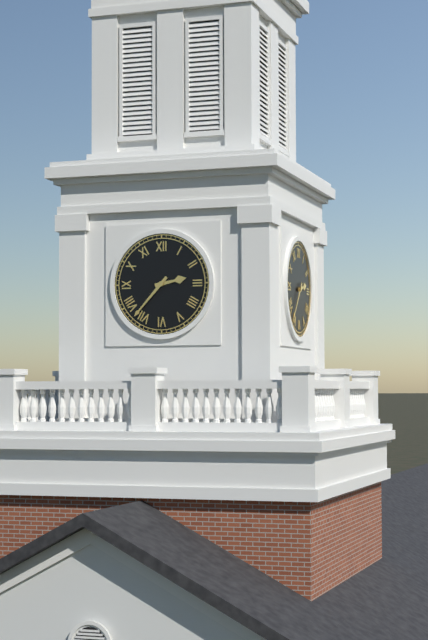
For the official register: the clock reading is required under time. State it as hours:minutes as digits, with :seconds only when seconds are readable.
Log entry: 2:37
